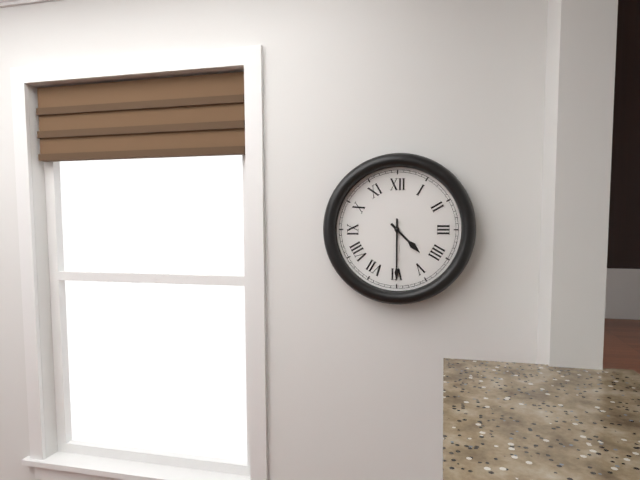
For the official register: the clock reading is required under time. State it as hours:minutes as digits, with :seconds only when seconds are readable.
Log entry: 4:30
